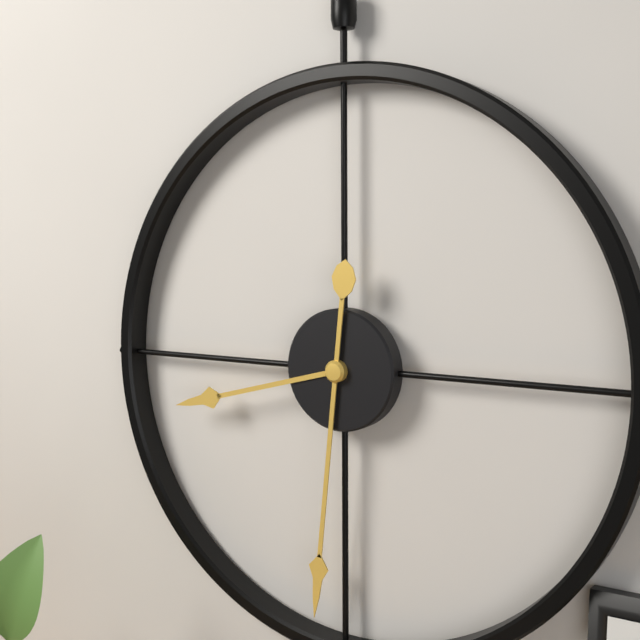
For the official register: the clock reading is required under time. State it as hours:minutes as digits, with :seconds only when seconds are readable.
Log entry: 8:31
